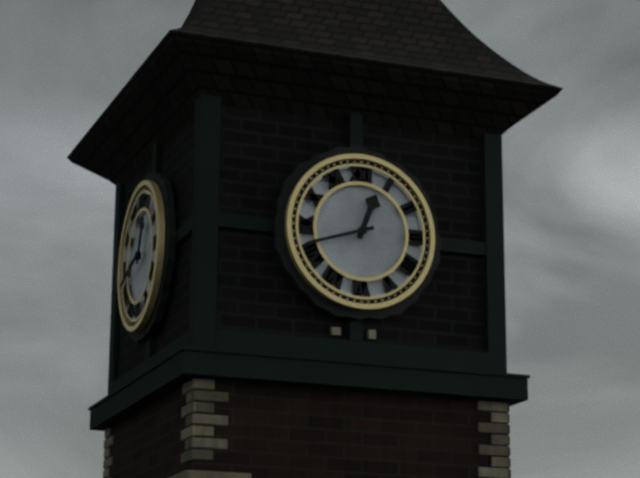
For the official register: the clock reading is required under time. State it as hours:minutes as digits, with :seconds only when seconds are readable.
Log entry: 12:42
